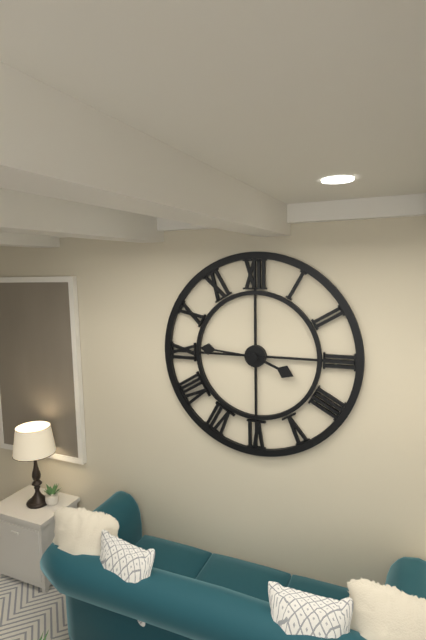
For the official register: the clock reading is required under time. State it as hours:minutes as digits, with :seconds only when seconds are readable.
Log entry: 3:46
